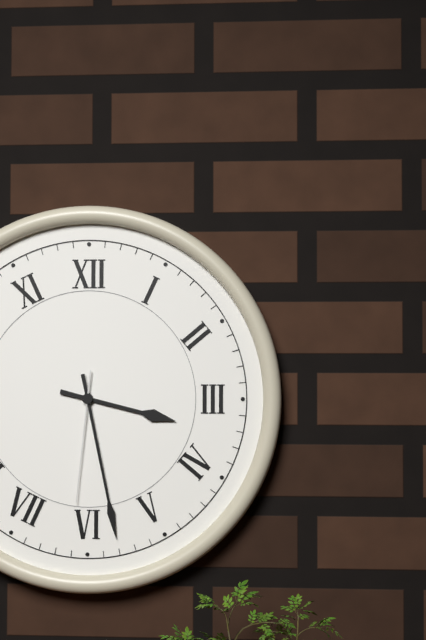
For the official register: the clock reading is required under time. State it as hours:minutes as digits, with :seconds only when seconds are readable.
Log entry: 3:28:31
